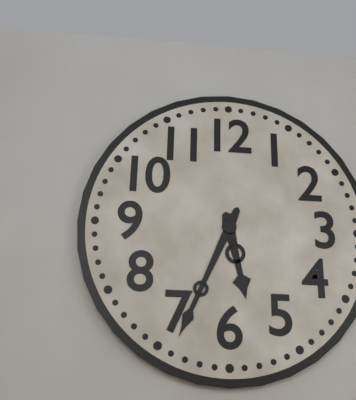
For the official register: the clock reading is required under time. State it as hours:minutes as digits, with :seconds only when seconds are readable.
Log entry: 5:34
